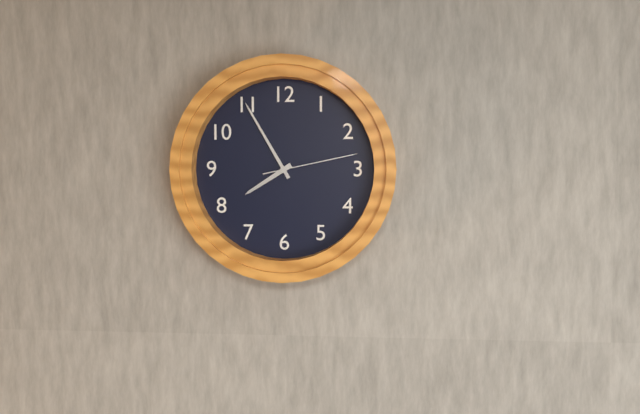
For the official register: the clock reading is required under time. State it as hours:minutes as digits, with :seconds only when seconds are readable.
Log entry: 7:55:13
